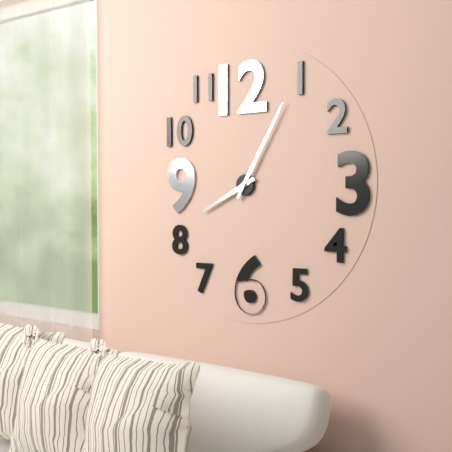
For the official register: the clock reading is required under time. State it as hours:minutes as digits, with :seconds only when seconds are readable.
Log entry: 8:05
